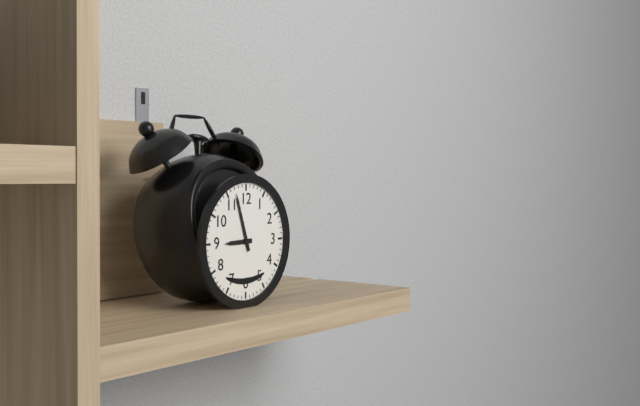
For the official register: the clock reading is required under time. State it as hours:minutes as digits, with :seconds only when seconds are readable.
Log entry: 8:57
